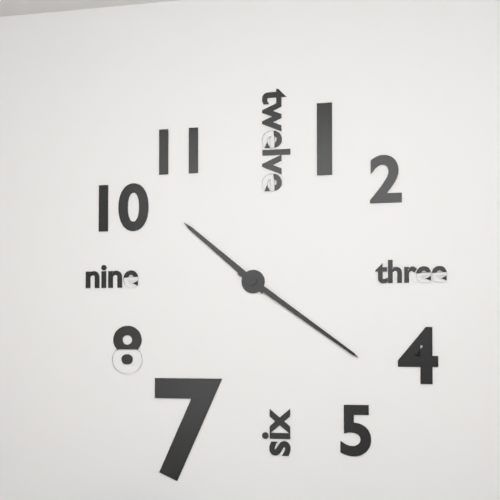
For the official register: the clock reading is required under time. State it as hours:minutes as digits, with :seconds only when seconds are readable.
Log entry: 10:21
